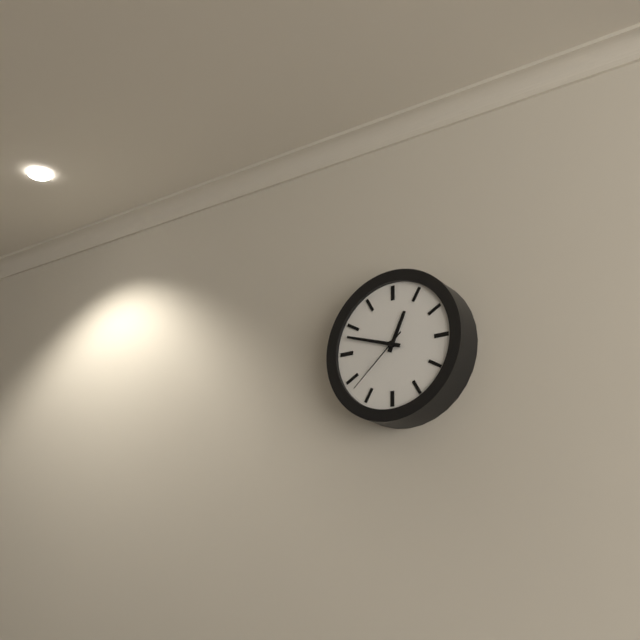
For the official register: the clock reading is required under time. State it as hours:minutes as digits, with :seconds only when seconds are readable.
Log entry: 12:48:38
